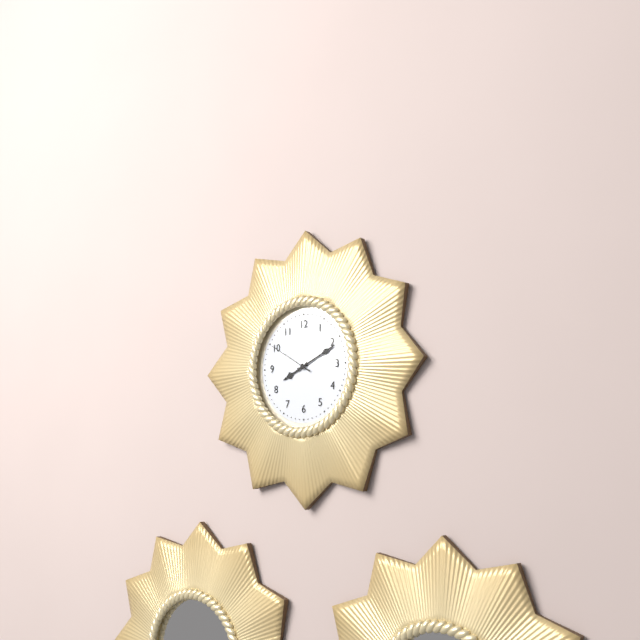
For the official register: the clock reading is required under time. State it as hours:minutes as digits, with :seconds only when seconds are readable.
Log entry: 8:11
